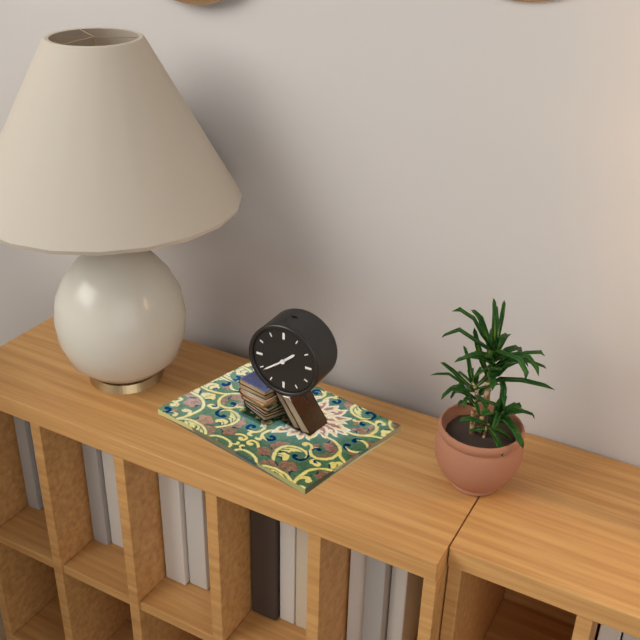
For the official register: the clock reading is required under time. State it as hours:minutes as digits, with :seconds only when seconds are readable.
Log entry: 1:39
